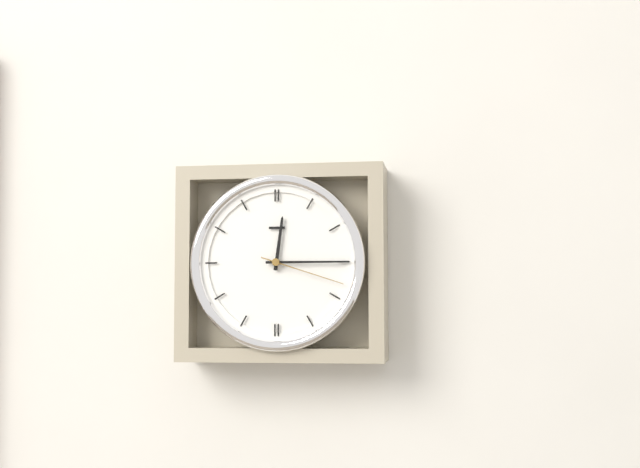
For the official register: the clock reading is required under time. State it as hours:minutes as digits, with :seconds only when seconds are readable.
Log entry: 12:15:18
